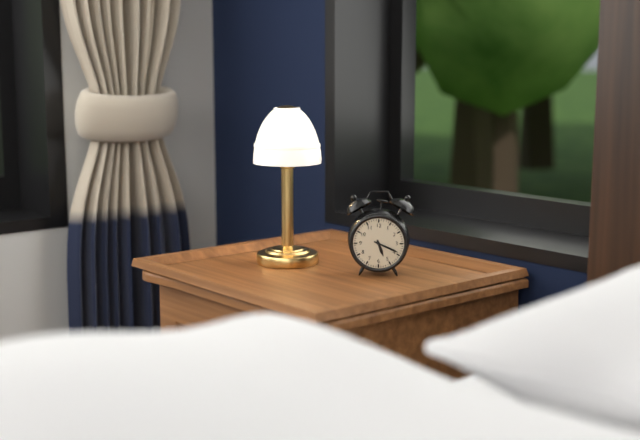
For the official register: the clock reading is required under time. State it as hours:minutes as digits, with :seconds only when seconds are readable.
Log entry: 5:19
